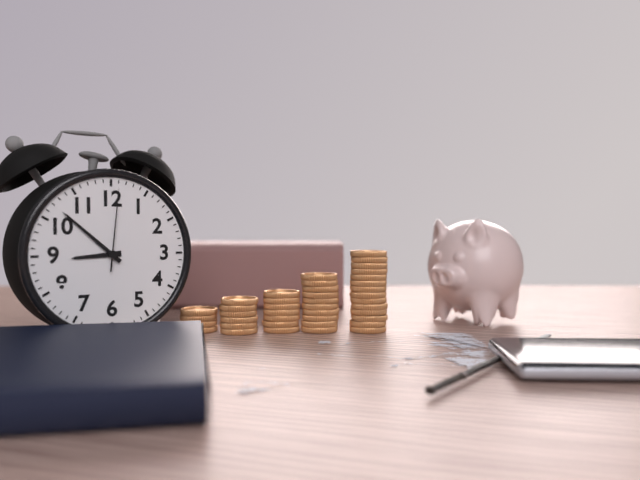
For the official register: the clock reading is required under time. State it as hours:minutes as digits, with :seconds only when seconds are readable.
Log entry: 8:52:01
